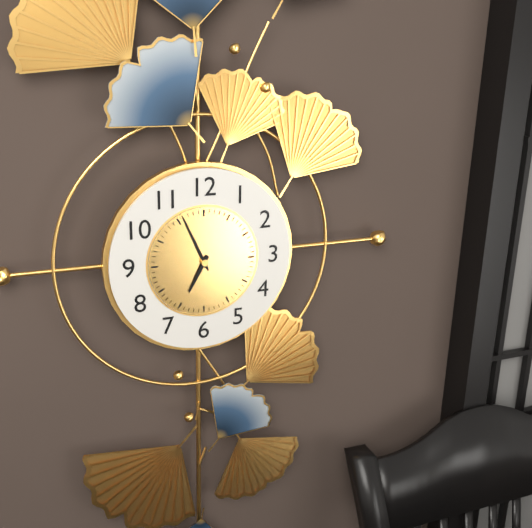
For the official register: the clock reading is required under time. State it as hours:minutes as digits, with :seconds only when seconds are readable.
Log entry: 6:56
